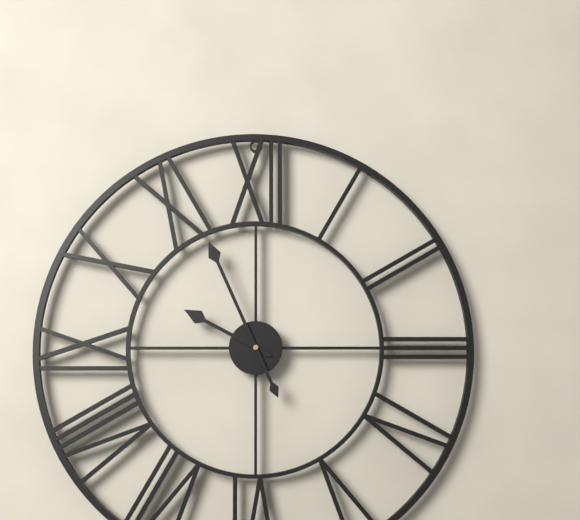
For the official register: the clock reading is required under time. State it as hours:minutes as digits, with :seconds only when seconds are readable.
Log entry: 9:56
